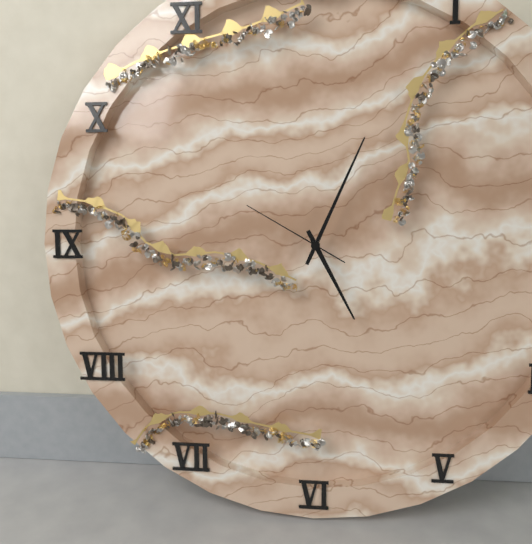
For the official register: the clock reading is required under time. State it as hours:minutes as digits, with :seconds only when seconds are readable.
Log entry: 5:04:50
